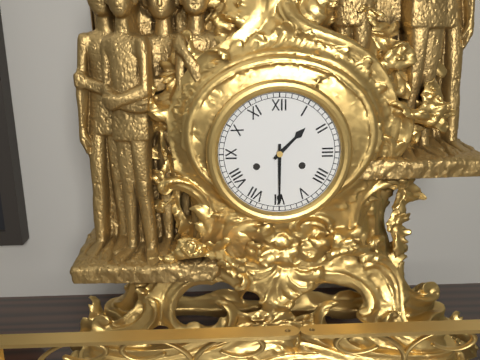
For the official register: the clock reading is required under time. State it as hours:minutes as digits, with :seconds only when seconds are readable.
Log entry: 1:30
